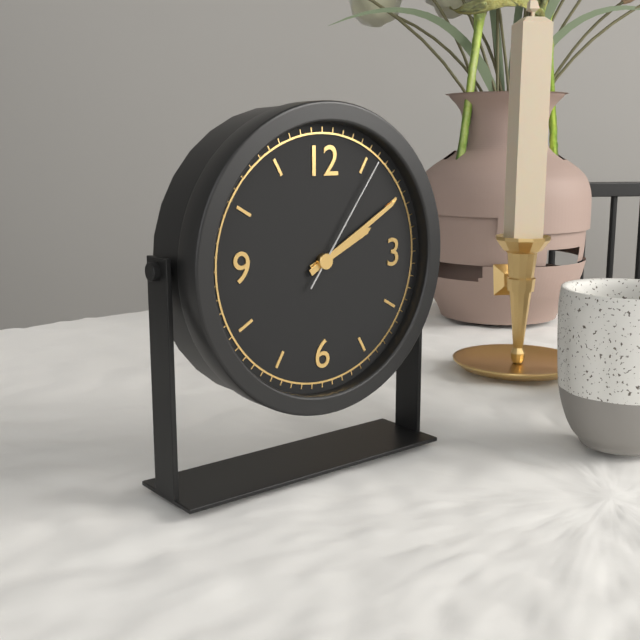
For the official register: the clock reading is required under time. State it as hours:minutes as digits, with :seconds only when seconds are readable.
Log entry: 2:10:06
